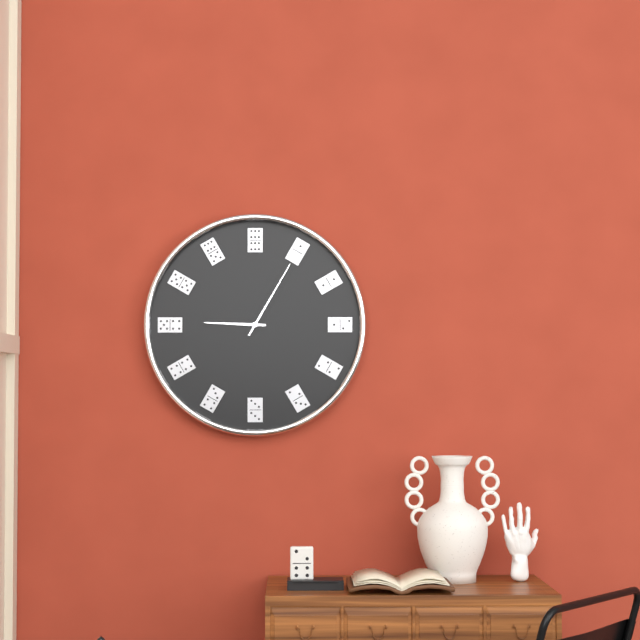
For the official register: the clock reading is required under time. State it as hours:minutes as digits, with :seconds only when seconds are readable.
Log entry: 9:05
